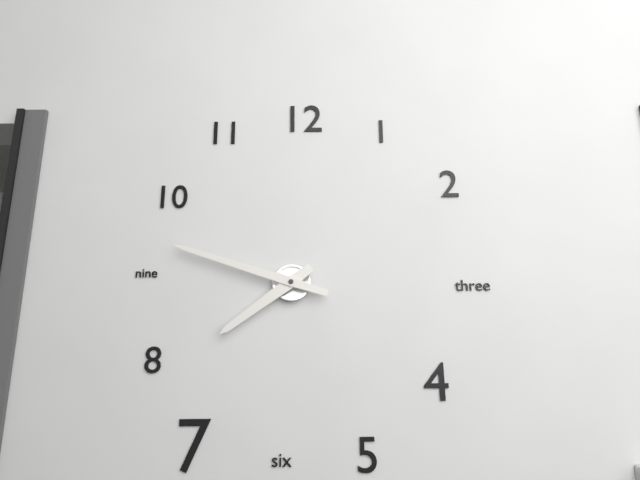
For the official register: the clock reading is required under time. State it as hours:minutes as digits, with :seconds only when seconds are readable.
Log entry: 7:48
